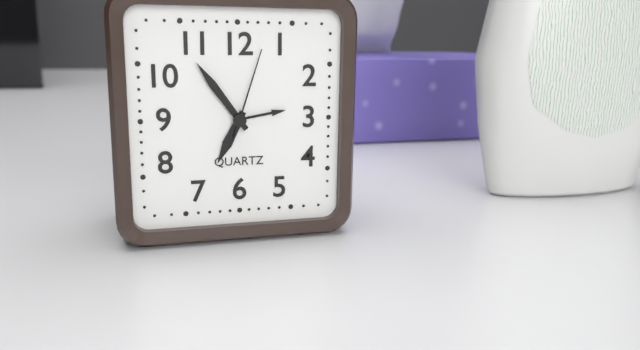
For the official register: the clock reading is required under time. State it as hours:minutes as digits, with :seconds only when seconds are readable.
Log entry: 6:54:03
